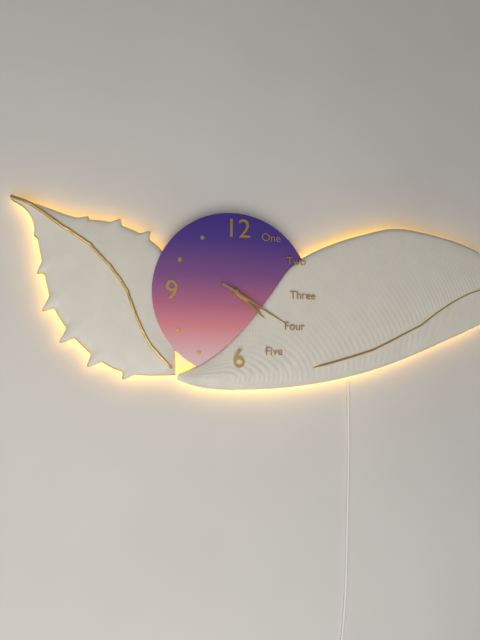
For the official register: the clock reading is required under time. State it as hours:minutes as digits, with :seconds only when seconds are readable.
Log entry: 4:20
